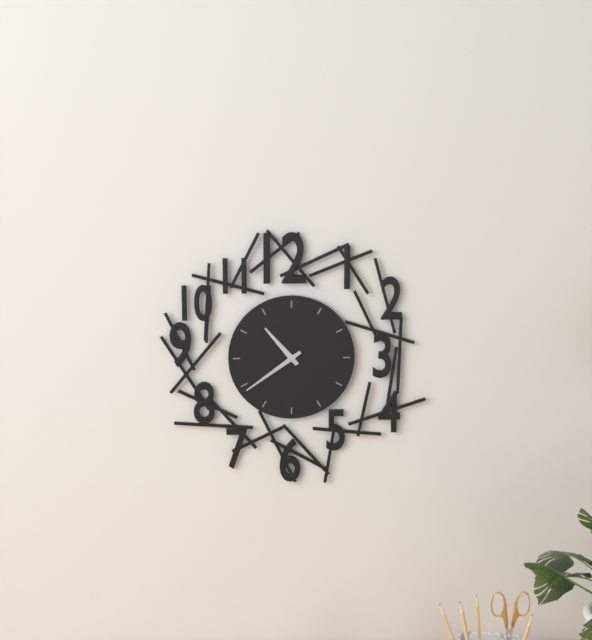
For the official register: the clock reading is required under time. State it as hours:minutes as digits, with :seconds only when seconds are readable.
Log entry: 10:39
